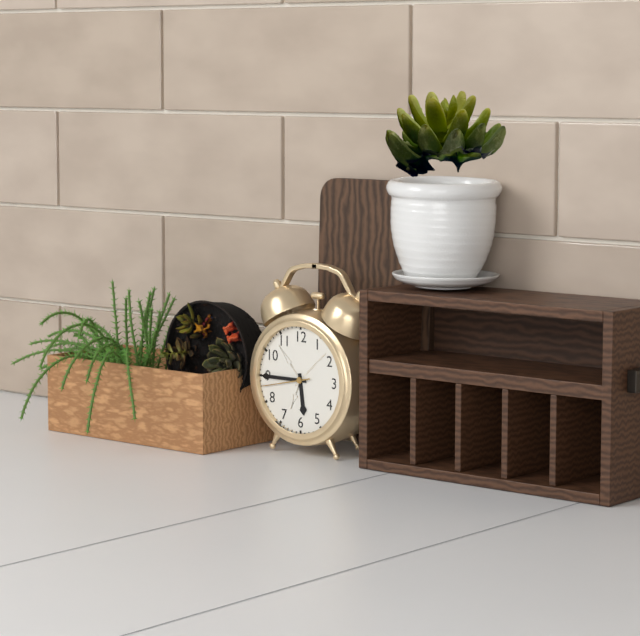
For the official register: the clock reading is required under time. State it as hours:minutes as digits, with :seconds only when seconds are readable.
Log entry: 5:45
